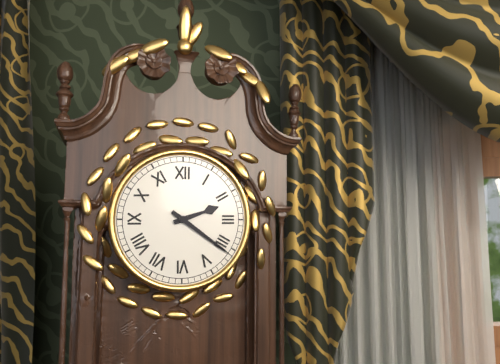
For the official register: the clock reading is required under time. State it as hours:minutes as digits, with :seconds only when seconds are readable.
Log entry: 2:21
